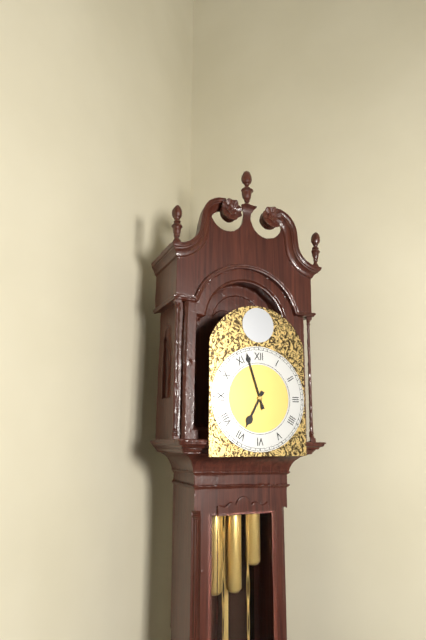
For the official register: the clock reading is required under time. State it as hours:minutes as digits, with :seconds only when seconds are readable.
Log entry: 6:57
